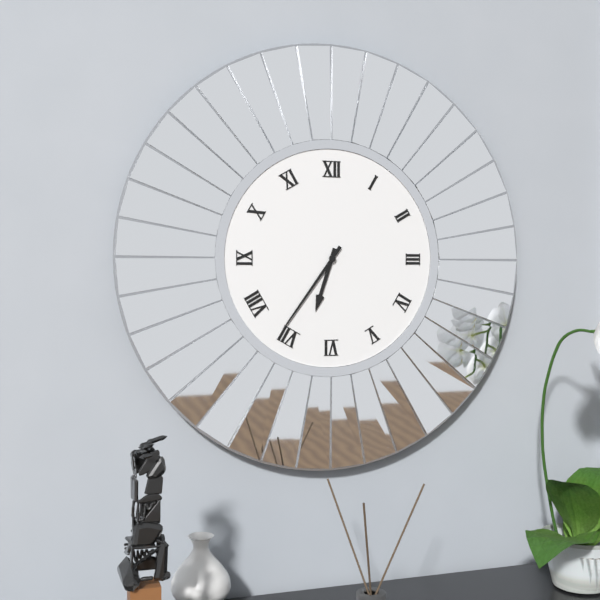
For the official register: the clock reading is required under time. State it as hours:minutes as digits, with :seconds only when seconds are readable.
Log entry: 6:36
